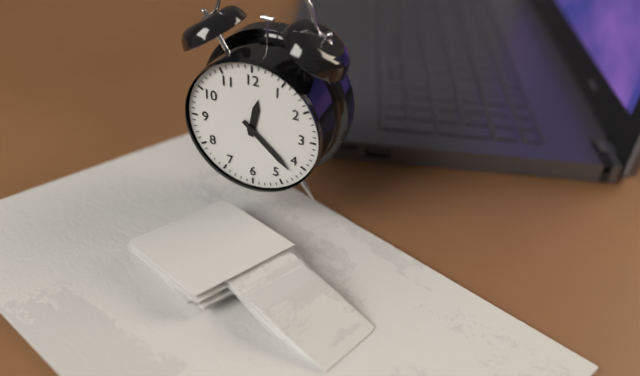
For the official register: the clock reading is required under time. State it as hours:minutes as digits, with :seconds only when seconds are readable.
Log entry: 12:22
